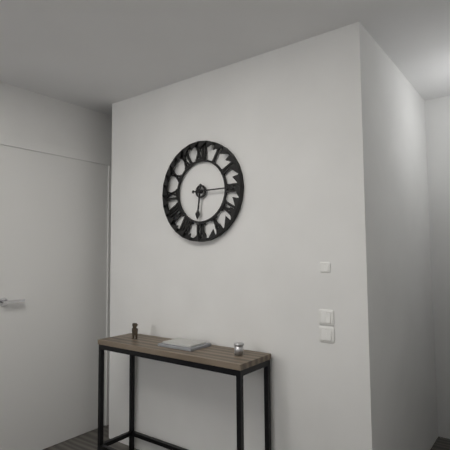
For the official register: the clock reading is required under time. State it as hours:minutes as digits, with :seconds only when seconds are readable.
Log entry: 6:15
